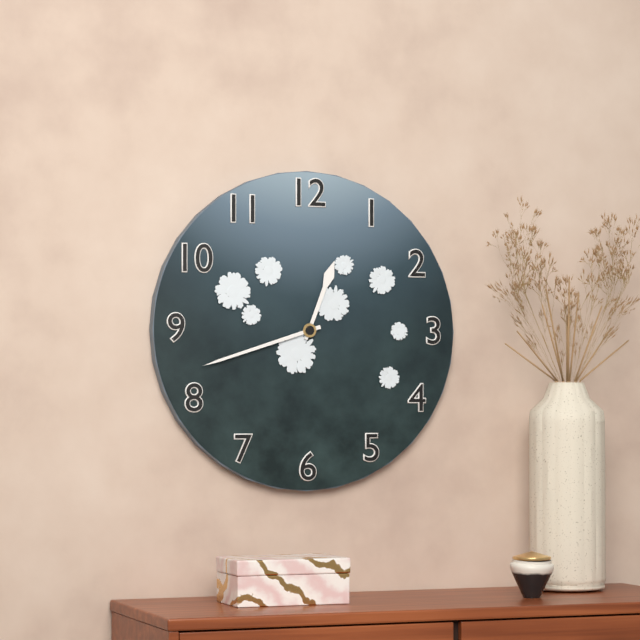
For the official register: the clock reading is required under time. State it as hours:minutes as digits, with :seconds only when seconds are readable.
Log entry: 12:42
